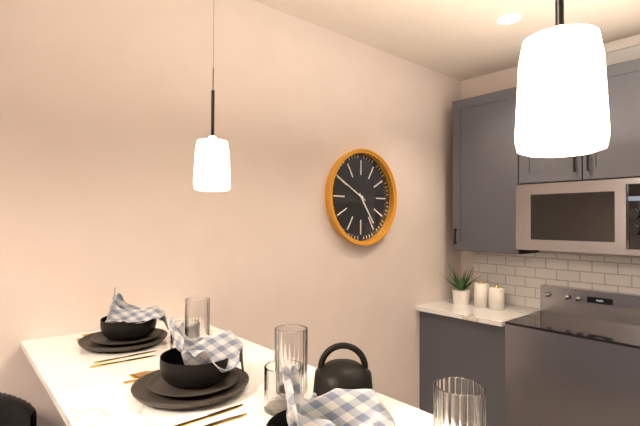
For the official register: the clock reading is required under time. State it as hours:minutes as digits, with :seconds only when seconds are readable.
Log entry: 4:50
